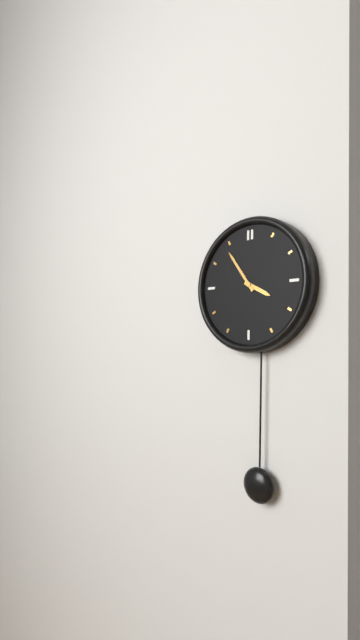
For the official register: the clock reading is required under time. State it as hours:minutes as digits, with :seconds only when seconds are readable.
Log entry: 3:54
